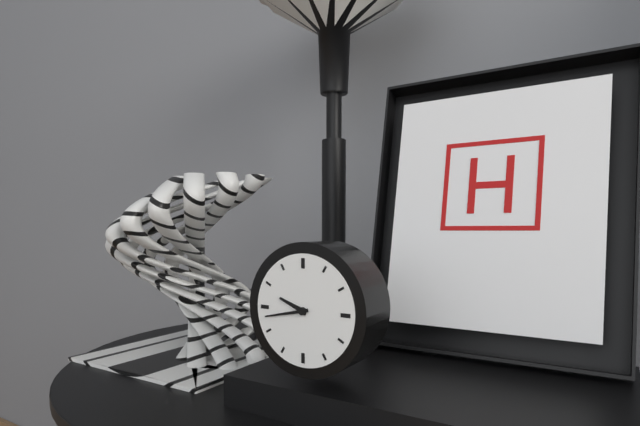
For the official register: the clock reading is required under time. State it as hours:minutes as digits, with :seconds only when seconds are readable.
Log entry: 9:43
